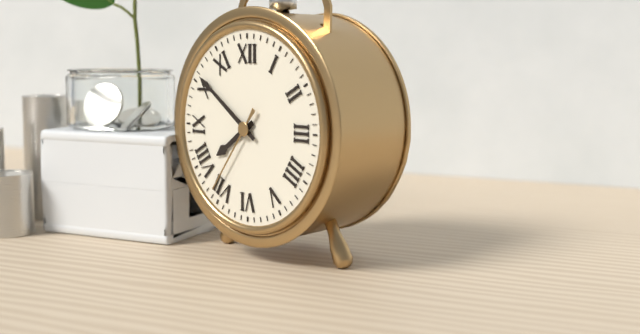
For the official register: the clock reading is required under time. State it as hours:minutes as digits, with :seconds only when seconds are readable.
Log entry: 7:51:36
